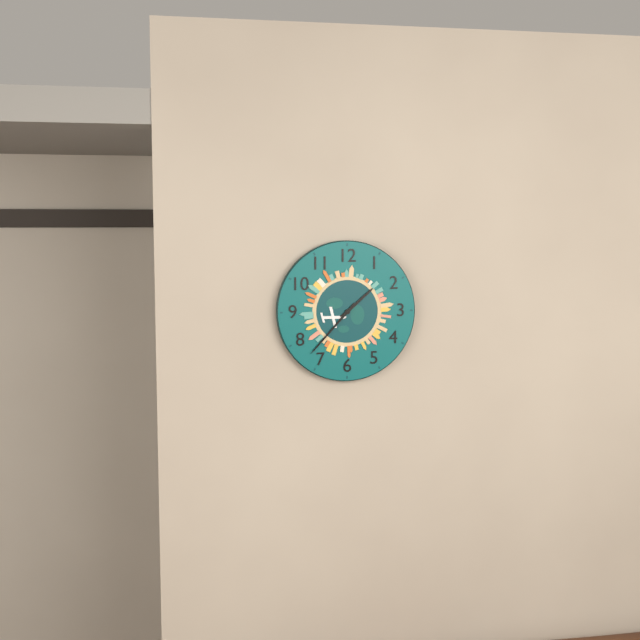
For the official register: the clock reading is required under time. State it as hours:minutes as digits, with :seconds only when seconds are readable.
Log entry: 1:37
